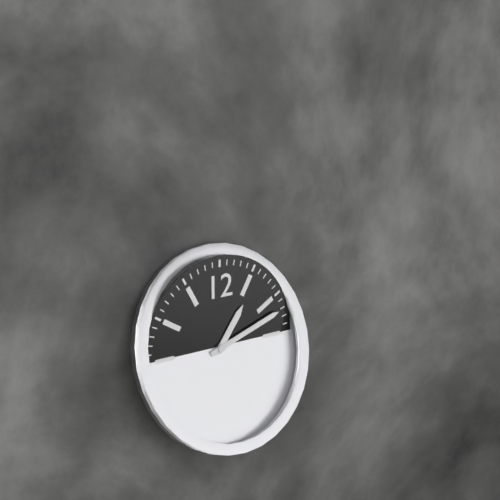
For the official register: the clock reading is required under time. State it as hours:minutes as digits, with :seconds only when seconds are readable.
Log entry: 1:12
